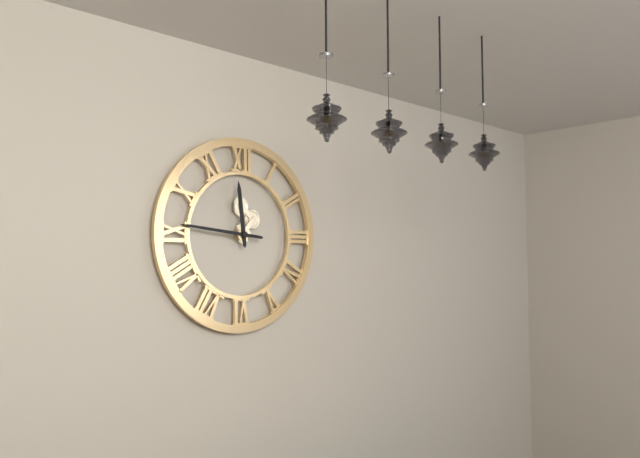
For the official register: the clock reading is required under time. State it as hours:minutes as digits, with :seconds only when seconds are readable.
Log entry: 11:46
